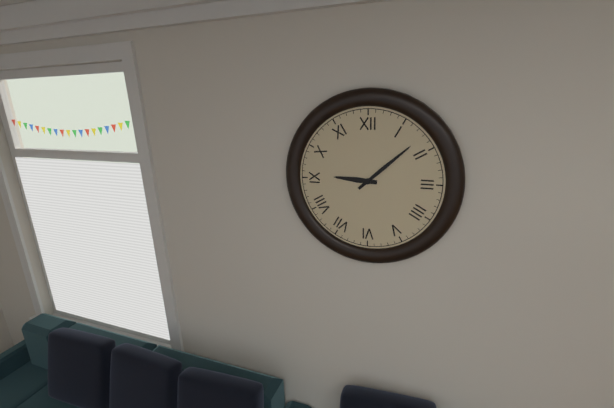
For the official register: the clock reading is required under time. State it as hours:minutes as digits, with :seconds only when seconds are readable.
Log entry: 9:08
